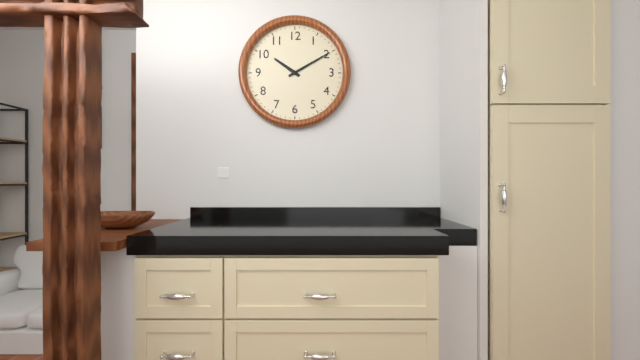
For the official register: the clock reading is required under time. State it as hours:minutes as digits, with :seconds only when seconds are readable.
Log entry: 10:10
